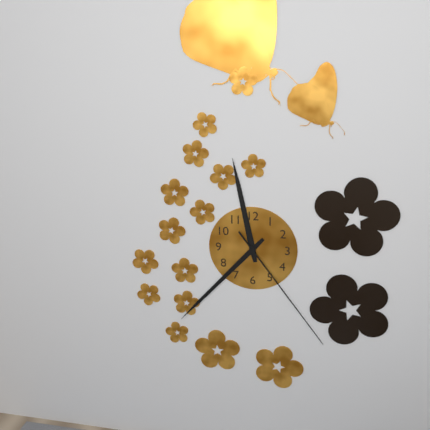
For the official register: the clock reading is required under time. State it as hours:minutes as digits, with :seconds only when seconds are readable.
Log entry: 11:37:24
